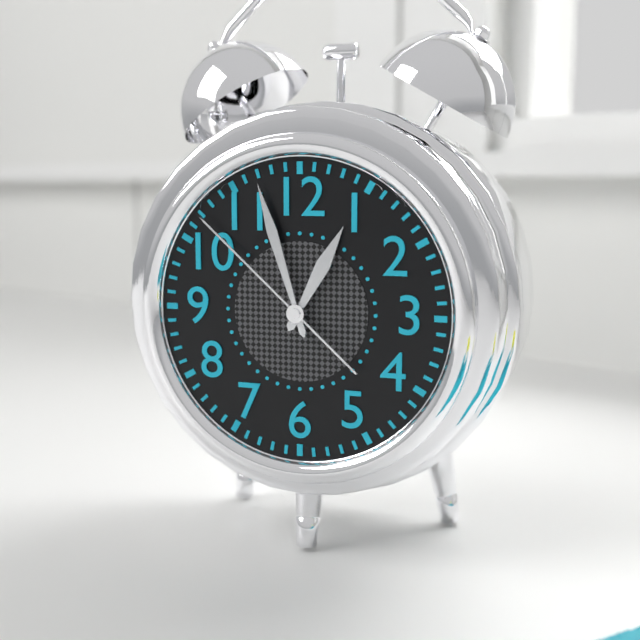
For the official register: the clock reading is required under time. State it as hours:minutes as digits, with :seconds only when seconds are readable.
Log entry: 12:57:52
